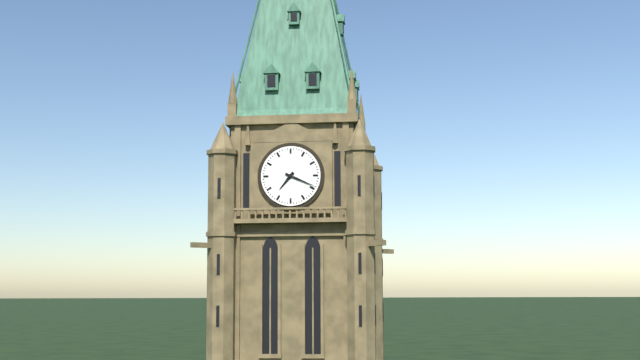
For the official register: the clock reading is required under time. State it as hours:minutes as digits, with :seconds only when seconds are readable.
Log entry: 7:19
